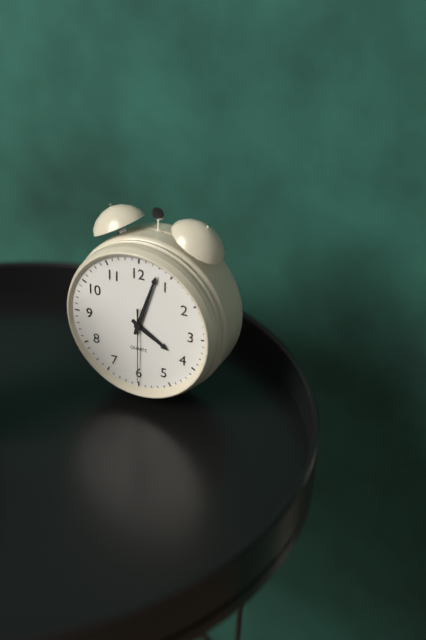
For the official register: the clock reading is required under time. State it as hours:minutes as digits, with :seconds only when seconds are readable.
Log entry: 4:03:30
